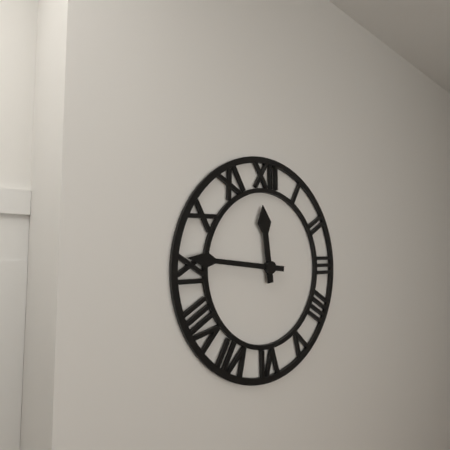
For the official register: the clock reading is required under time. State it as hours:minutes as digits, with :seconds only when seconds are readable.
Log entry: 11:46
